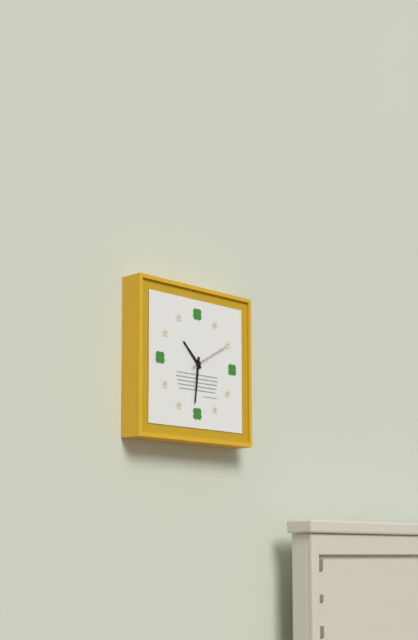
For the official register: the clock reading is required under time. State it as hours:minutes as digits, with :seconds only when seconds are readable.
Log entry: 10:31
